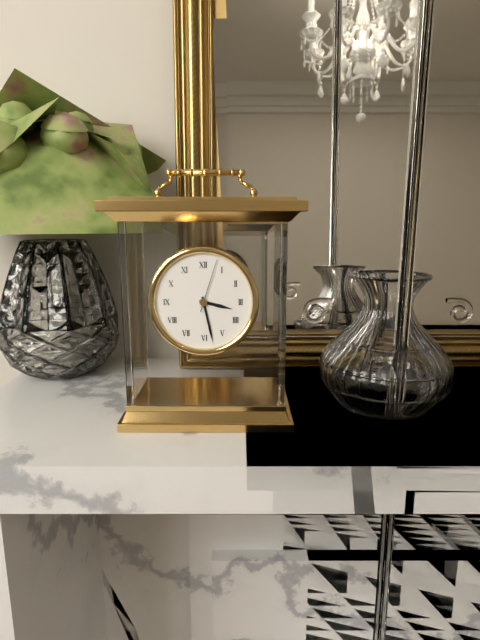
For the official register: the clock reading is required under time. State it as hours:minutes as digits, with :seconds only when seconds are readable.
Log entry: 3:28:03
